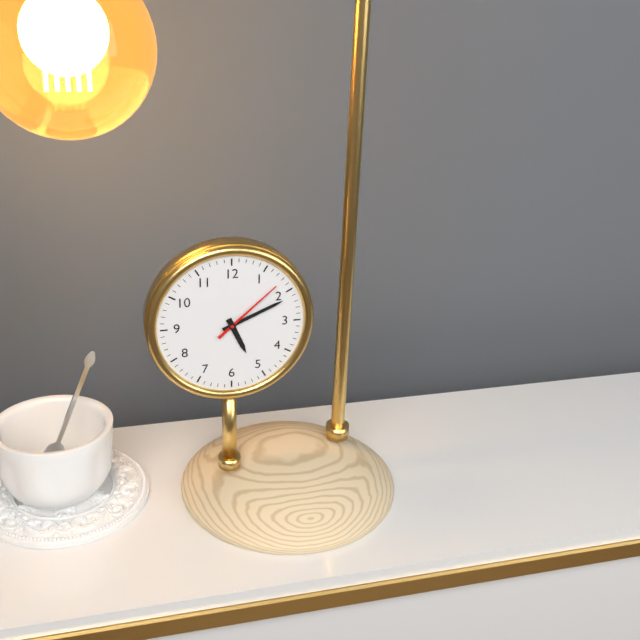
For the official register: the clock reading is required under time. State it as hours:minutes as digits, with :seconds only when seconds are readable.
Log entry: 5:11:08
